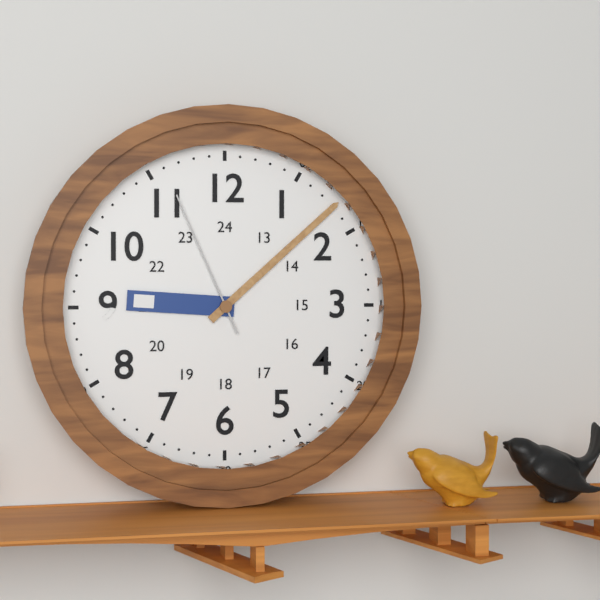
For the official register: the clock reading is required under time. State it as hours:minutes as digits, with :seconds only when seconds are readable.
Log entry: 9:08:56
